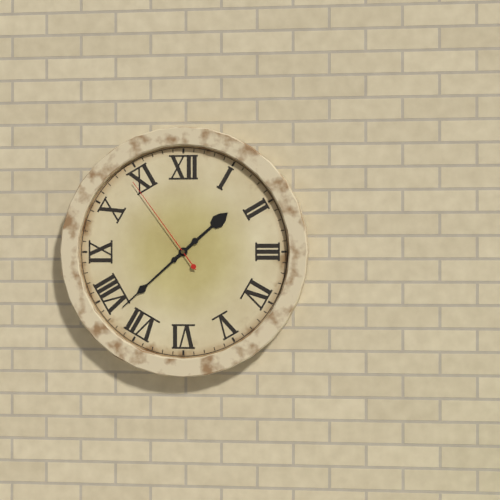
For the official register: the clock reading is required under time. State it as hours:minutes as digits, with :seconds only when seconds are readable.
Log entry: 1:38:54
